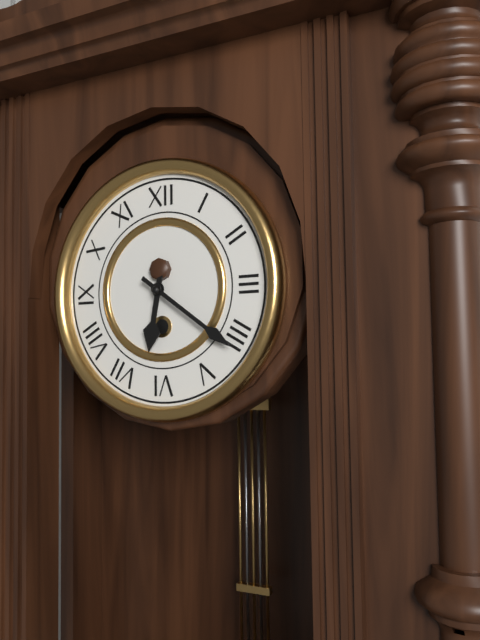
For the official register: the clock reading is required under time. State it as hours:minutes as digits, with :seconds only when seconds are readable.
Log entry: 6:21
